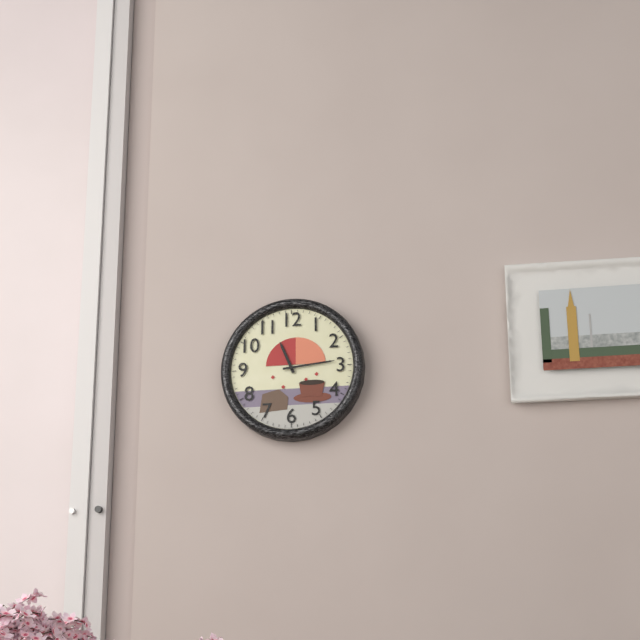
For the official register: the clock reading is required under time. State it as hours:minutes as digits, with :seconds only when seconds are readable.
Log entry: 11:14
